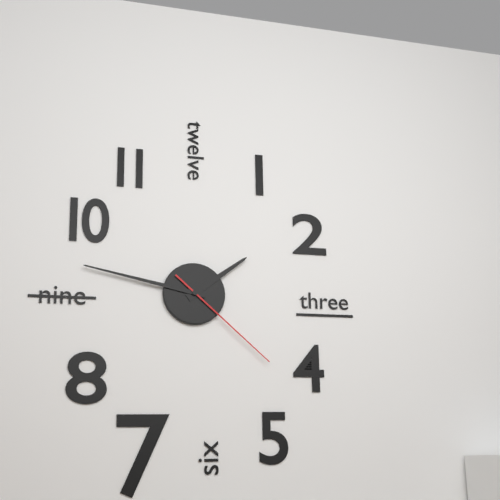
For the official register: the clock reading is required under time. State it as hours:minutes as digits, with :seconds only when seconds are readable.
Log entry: 1:47:22
